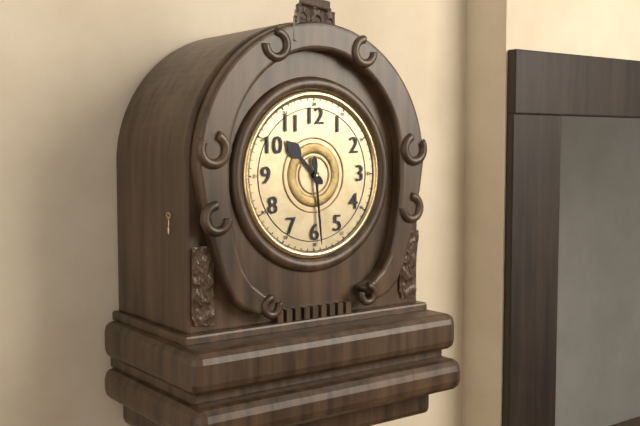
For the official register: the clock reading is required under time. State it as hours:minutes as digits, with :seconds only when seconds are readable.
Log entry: 10:29
